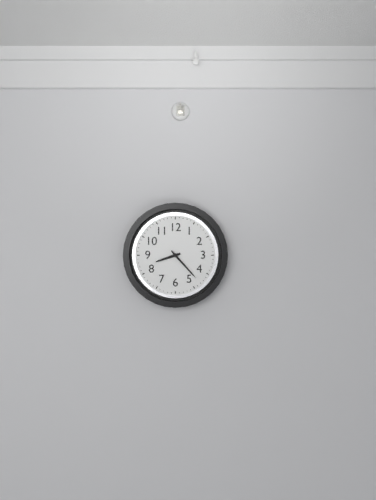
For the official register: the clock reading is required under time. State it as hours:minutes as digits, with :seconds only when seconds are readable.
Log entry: 8:23
